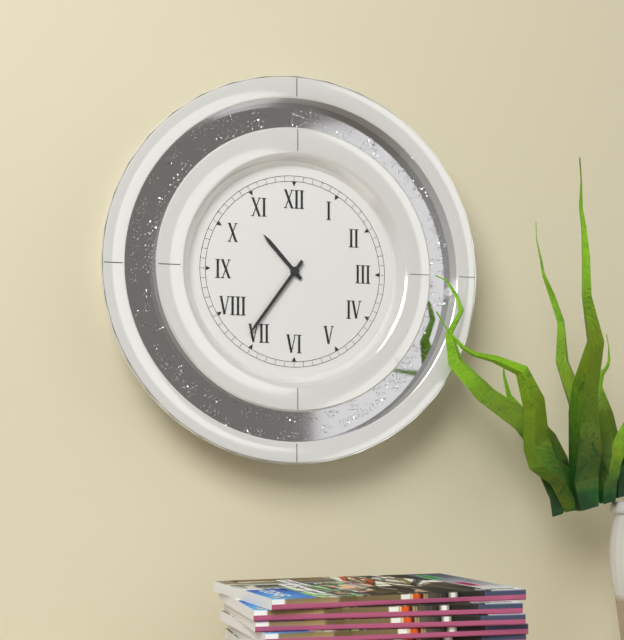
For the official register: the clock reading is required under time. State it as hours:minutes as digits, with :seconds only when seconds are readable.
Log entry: 10:36
